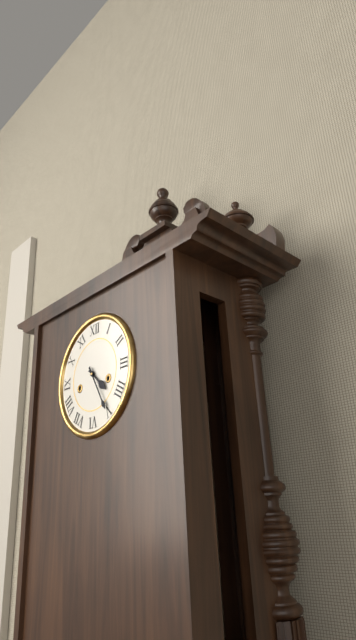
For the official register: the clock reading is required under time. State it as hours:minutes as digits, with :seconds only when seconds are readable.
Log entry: 4:25
